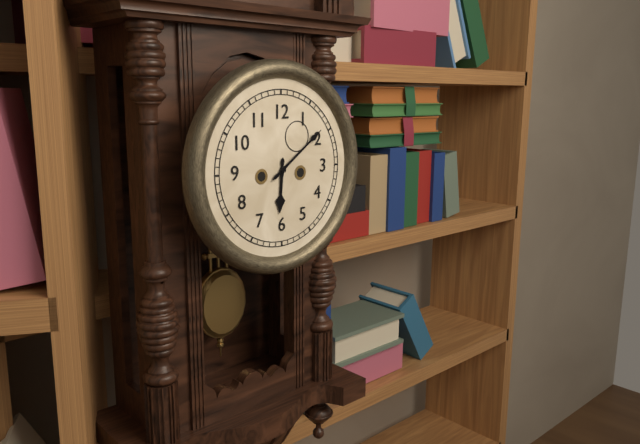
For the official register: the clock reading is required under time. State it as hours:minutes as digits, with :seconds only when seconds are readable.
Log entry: 6:09
